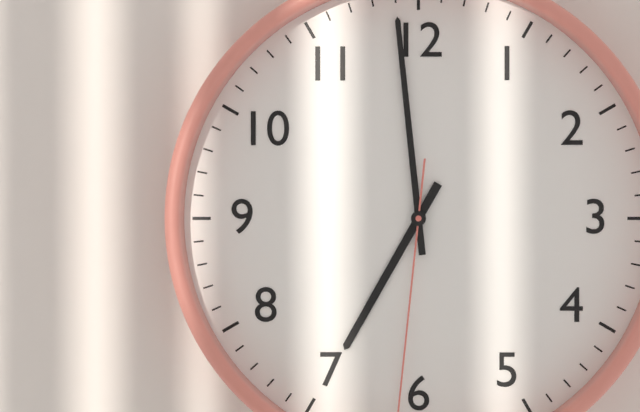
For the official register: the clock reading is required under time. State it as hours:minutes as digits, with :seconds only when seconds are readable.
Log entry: 6:59
